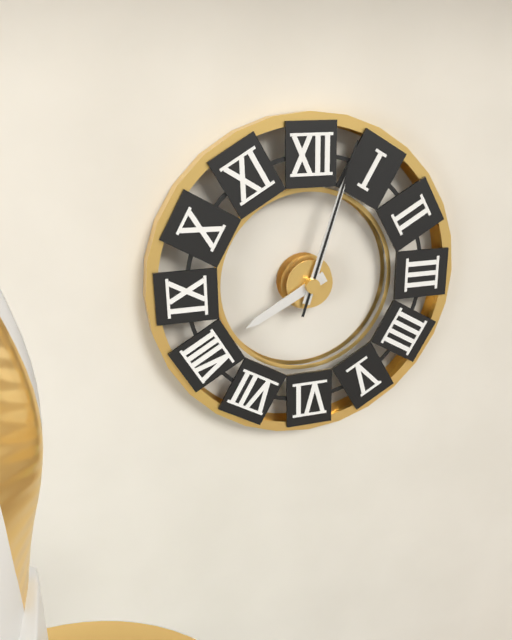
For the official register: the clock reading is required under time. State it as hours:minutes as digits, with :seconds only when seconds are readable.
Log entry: 8:03:03
